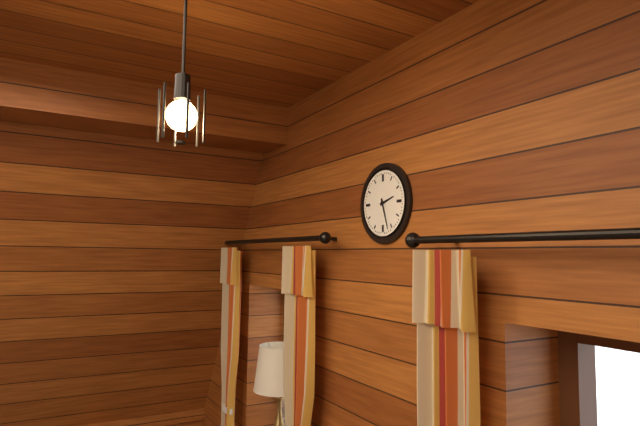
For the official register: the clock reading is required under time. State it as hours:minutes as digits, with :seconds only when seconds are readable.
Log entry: 2:27
